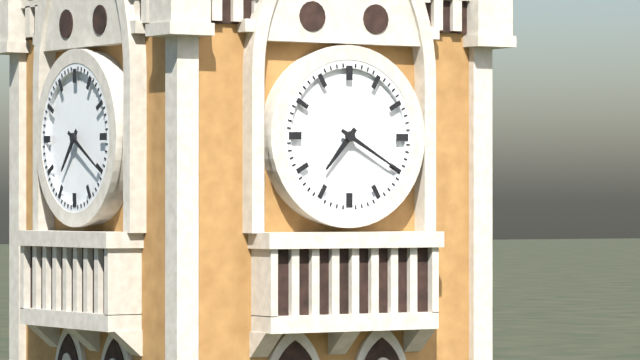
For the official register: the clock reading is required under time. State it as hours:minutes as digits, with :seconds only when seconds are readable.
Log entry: 7:20
